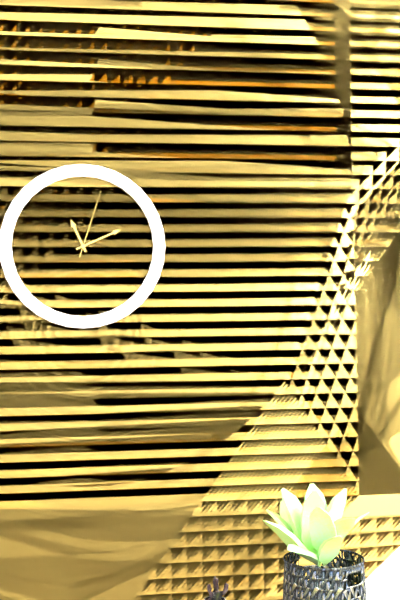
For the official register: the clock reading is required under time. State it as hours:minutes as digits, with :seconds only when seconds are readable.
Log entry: 11:11:03
